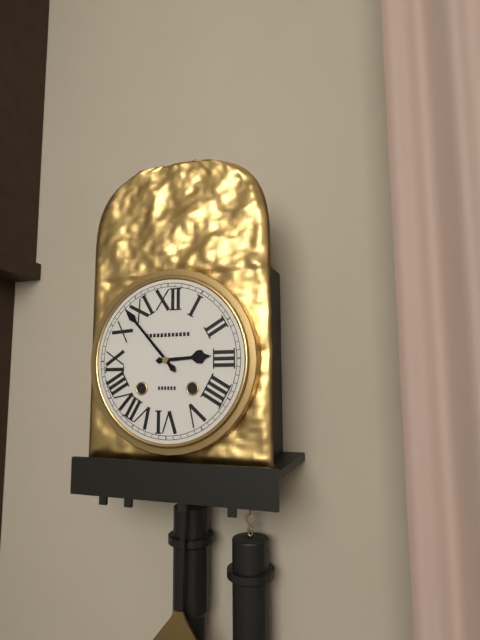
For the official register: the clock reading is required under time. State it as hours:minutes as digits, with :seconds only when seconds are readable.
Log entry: 2:53
